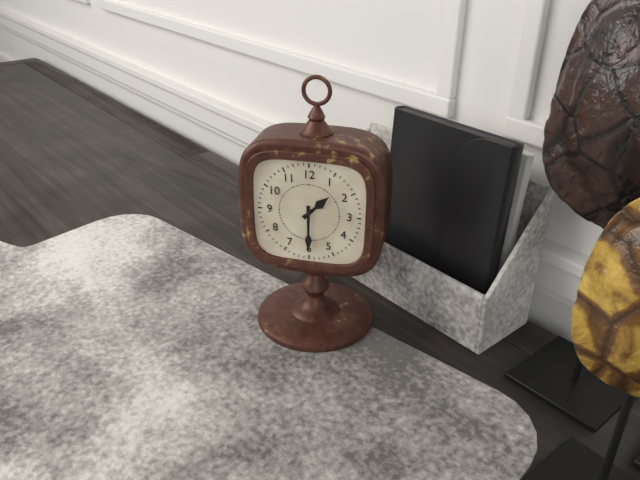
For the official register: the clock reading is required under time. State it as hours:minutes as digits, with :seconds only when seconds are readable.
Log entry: 1:30
